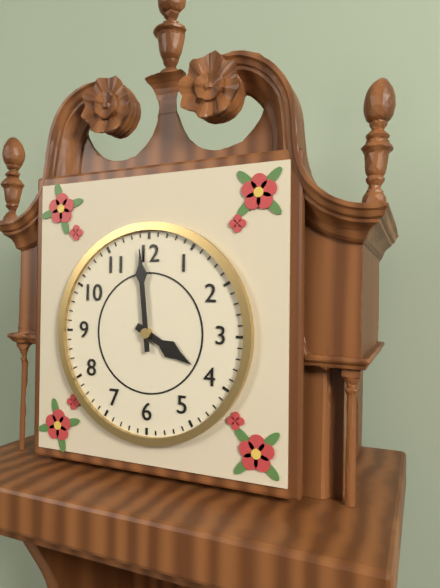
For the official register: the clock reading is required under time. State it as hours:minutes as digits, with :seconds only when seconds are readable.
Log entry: 3:59
